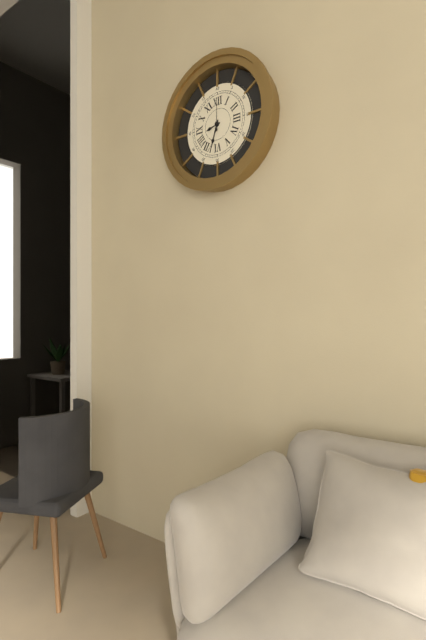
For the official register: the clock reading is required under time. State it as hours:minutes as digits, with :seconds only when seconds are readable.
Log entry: 8:33
